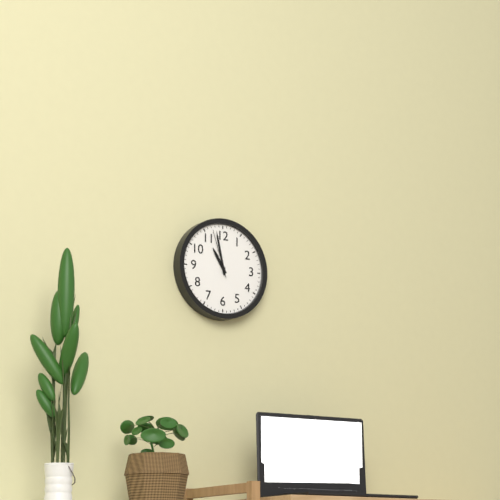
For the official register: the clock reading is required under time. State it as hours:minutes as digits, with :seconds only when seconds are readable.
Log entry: 10:58:57
